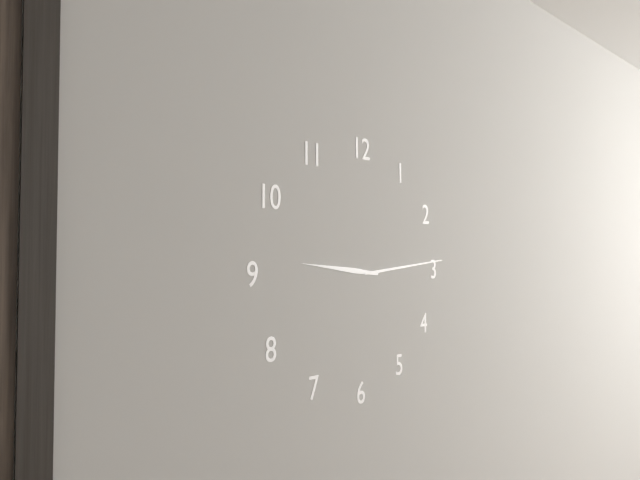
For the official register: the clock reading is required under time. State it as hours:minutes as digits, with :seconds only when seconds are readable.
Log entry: 9:14
